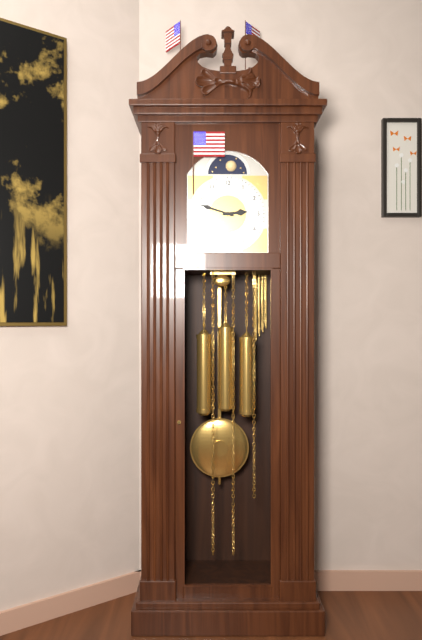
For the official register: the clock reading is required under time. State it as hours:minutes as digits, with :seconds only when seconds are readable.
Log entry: 2:48
